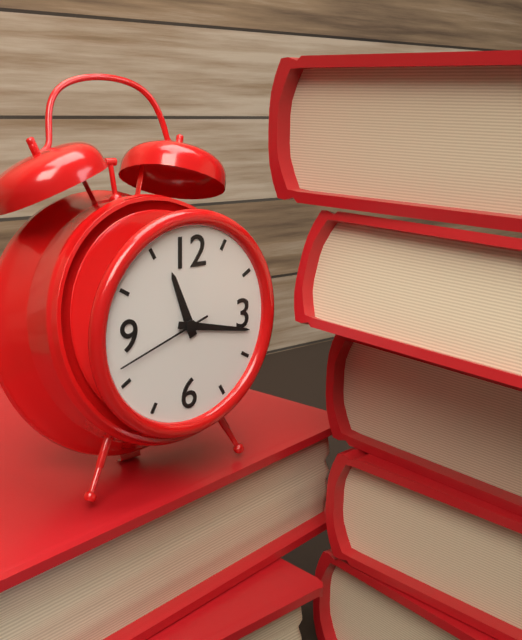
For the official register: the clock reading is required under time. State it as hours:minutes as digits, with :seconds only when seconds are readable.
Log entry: 11:17:42
